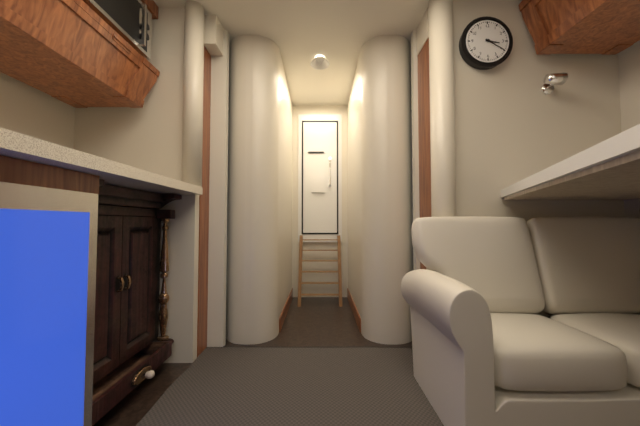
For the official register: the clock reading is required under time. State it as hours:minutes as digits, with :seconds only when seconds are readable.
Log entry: 3:20
